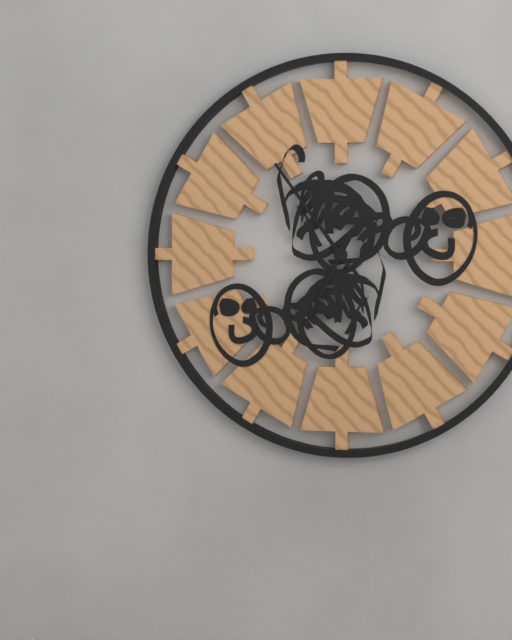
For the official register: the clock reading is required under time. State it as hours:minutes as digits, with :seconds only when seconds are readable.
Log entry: 6:54
